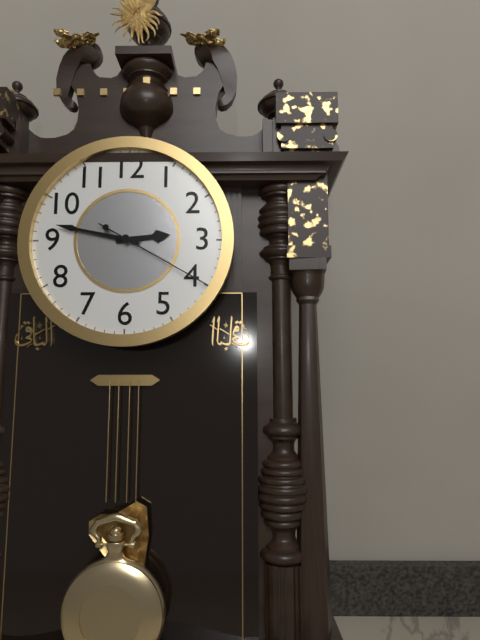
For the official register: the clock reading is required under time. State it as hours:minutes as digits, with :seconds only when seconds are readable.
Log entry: 2:47:20
